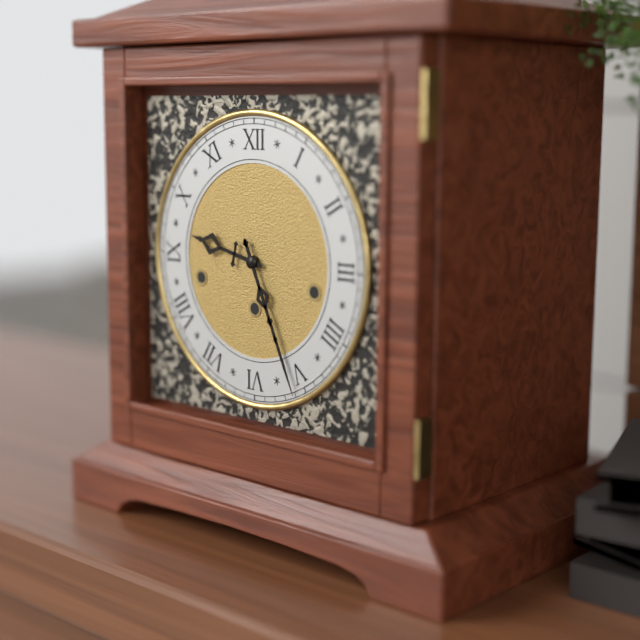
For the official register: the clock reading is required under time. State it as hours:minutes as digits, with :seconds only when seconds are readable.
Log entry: 9:26
